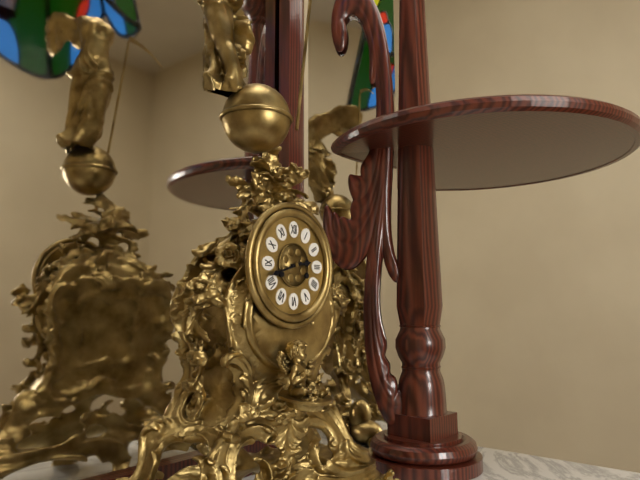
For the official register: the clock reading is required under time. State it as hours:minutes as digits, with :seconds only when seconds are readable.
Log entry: 2:42
